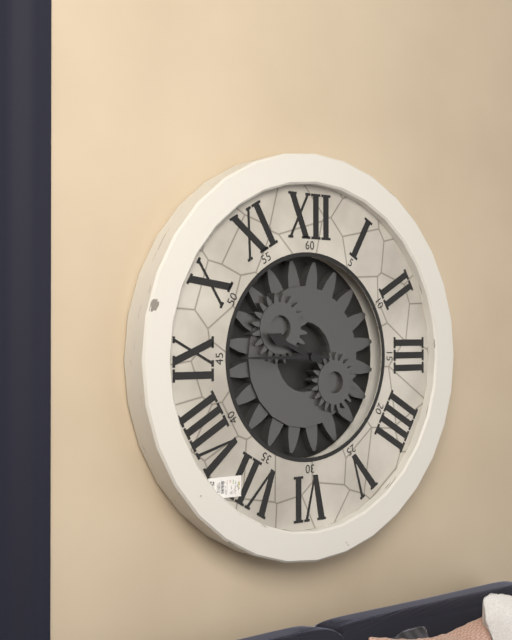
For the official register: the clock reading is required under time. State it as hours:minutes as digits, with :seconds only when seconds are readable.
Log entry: 9:45
